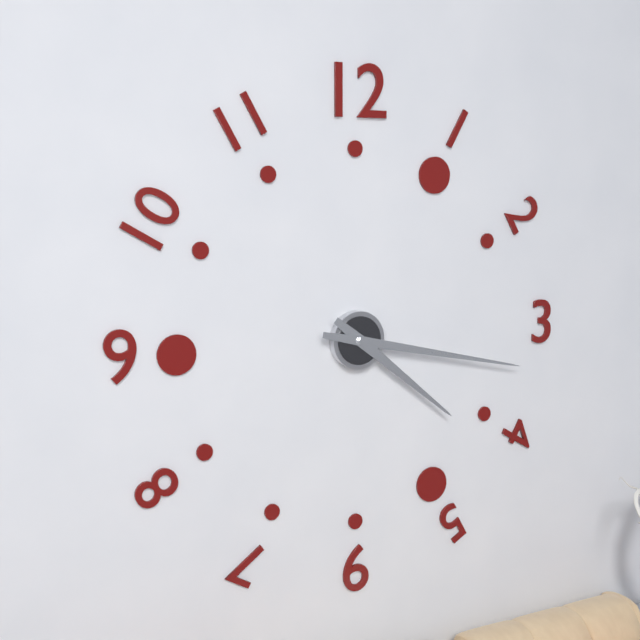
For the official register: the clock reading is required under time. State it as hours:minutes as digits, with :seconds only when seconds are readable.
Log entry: 4:17
